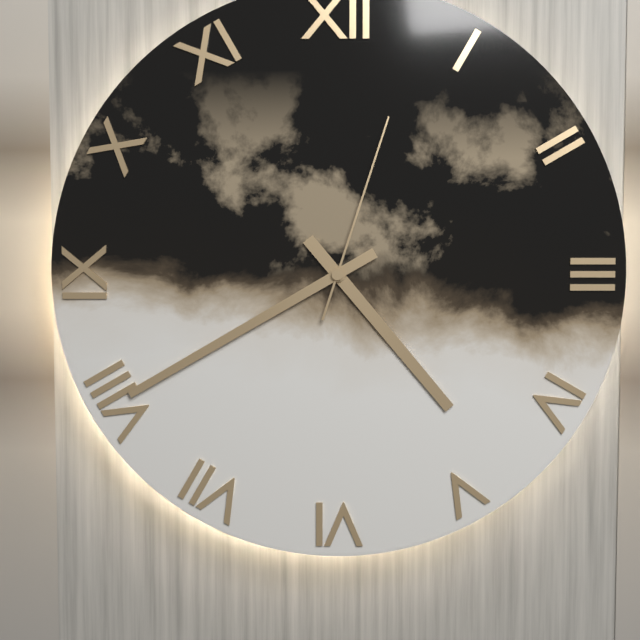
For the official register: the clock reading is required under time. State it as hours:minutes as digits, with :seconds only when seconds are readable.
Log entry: 4:40:03
